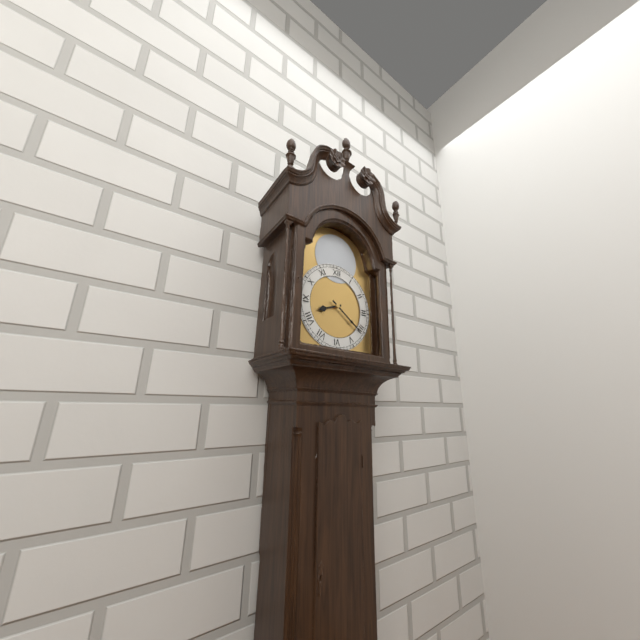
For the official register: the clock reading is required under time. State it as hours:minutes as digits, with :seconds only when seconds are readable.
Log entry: 8:21
